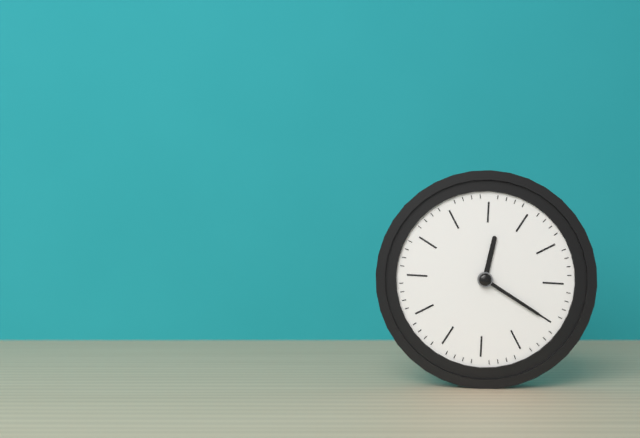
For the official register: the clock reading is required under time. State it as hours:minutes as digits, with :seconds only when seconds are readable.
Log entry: 12:20
